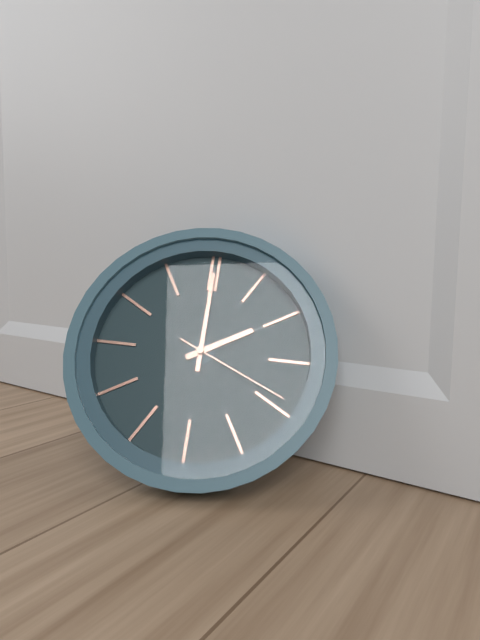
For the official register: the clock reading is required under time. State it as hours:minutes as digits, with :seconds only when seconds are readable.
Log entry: 2:00:19
